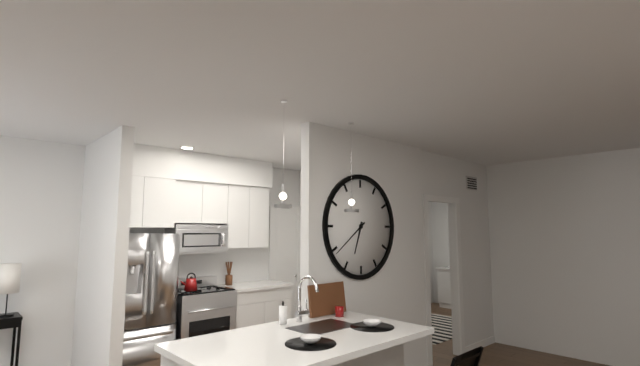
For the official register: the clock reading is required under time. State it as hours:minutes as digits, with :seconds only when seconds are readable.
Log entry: 6:39
